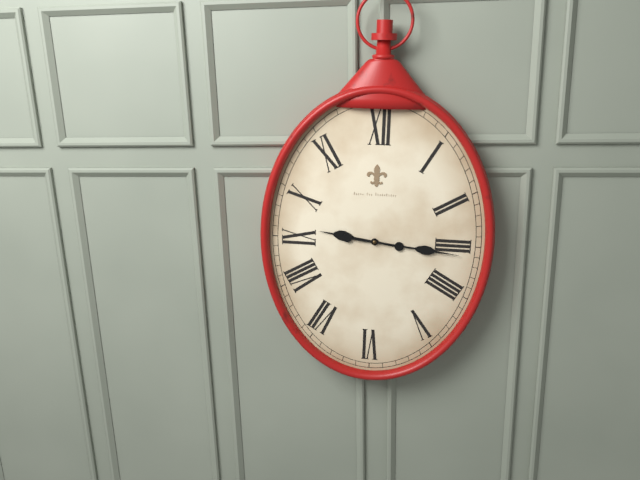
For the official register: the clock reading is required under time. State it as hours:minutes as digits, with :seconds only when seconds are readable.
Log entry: 9:16
